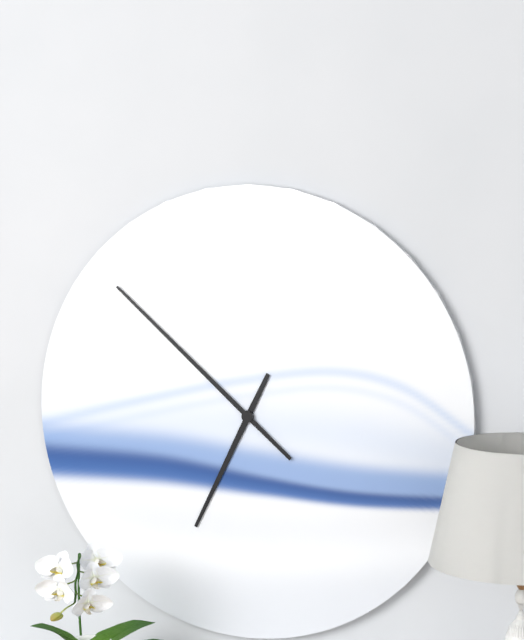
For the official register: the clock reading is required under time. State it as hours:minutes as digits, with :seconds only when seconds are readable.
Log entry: 6:52
